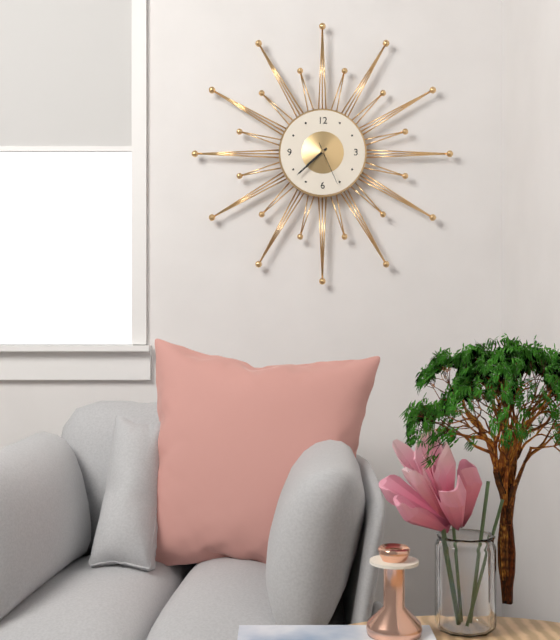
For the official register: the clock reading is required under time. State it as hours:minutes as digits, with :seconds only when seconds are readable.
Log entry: 7:38
